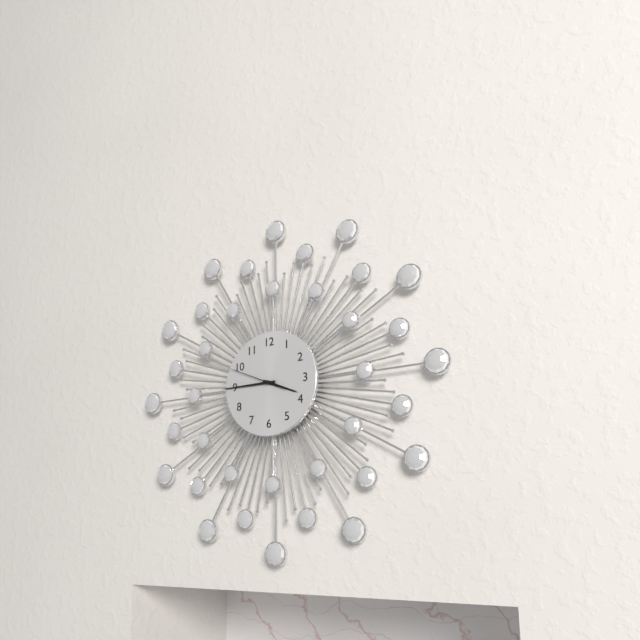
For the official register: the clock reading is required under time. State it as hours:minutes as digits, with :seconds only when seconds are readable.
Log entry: 3:45:49
